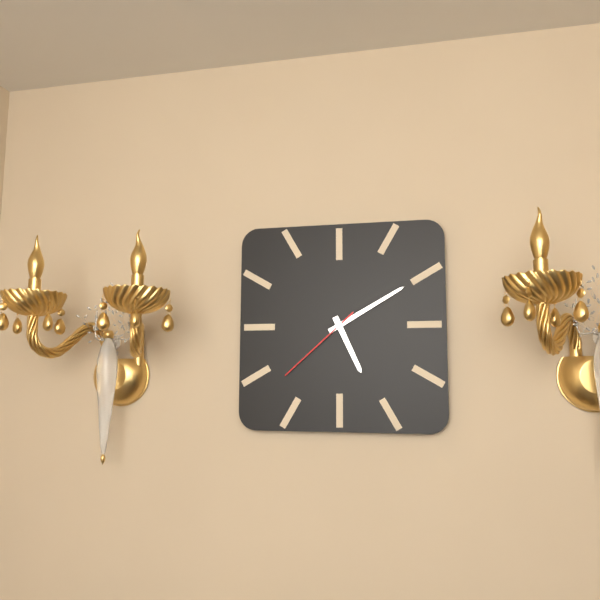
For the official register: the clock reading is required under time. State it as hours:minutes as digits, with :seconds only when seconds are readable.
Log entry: 5:10:38
